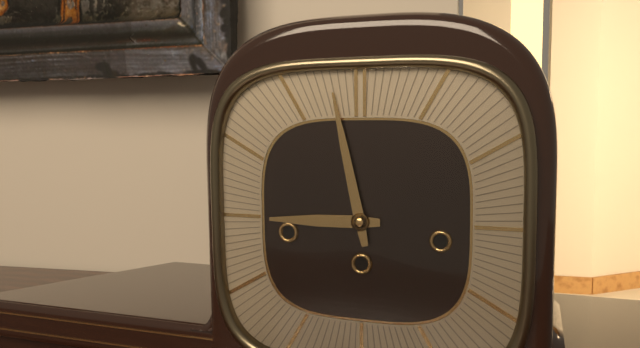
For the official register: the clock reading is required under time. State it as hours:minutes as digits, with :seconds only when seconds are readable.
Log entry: 8:58
